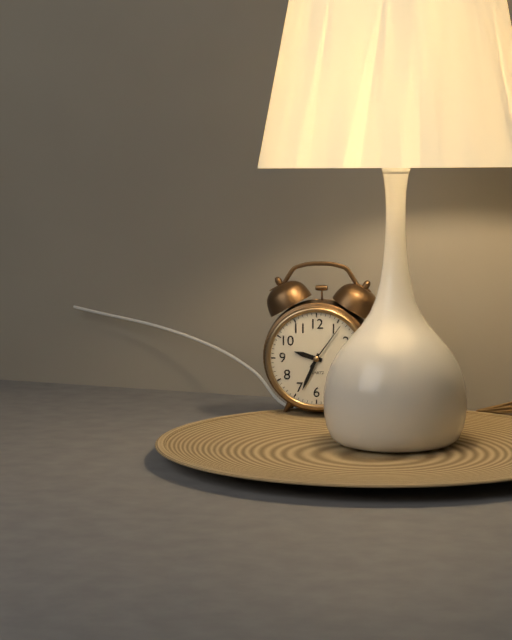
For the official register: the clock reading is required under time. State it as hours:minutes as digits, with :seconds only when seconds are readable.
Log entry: 9:34:06
